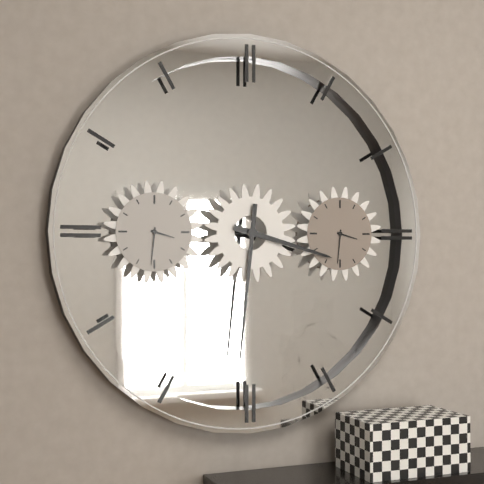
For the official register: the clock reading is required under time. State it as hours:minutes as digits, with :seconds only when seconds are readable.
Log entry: 3:31
